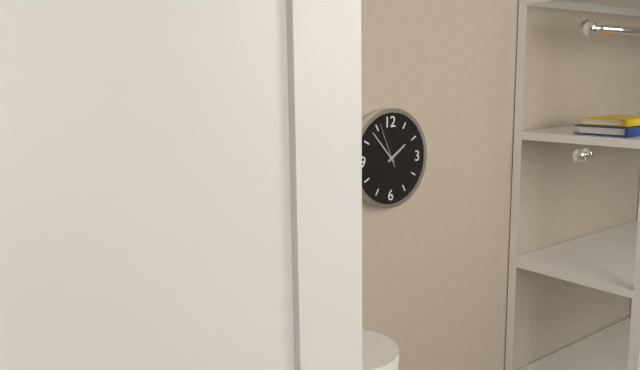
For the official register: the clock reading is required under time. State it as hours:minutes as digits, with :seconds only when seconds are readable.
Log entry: 1:53
